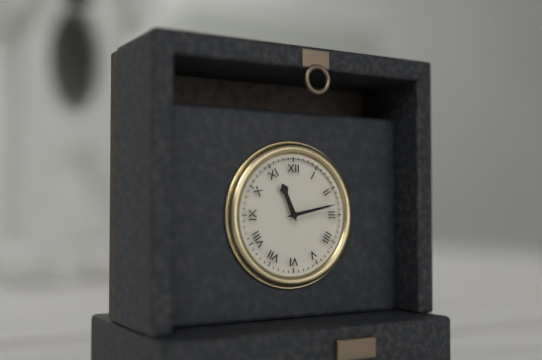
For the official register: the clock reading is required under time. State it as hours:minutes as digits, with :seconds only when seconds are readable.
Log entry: 11:13
